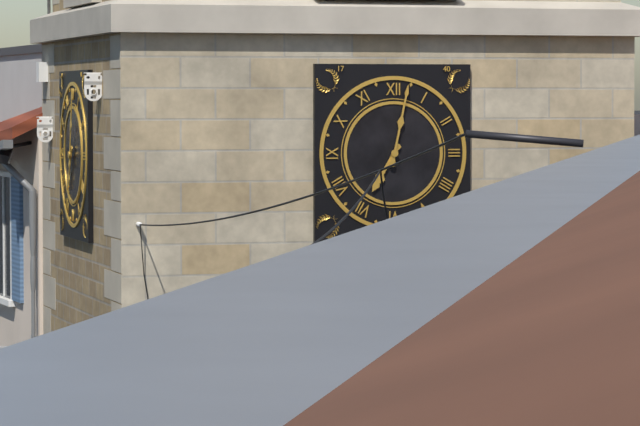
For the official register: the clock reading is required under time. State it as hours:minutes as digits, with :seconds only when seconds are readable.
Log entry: 7:02
